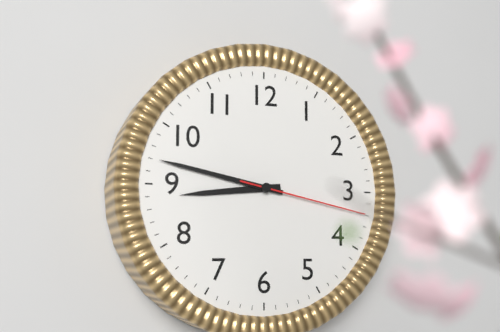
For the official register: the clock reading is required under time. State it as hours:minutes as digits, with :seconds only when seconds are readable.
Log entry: 8:47:17
